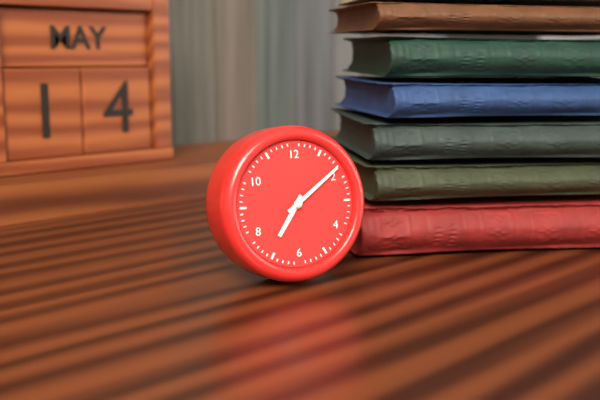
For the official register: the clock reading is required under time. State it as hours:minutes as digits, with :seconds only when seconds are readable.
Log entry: 7:09
